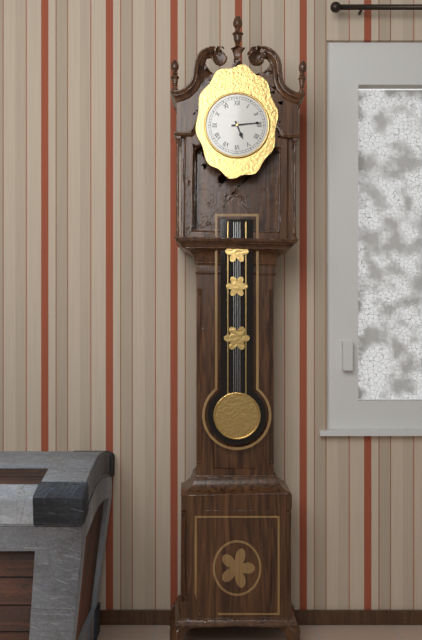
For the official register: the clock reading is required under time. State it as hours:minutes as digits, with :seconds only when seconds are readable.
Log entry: 5:14
